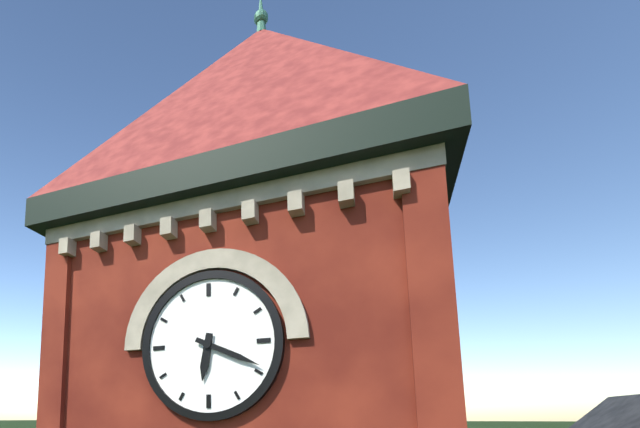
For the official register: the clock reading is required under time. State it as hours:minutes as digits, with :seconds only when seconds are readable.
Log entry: 6:19
